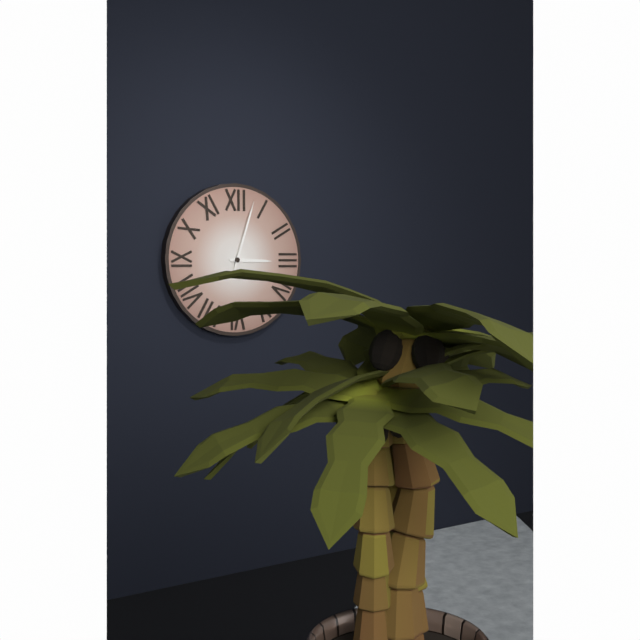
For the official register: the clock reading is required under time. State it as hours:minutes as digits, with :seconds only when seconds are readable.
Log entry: 3:03
